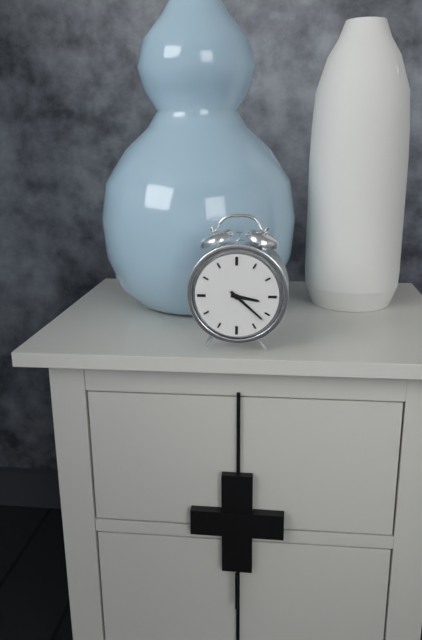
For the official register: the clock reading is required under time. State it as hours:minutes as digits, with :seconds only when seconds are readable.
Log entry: 3:22
